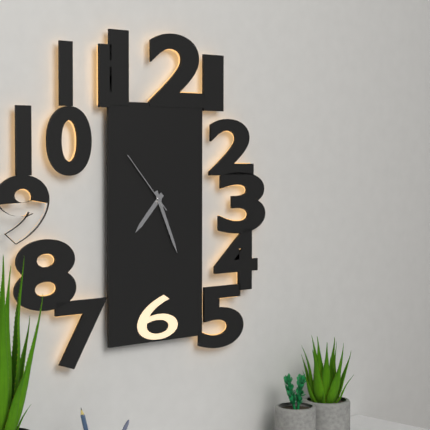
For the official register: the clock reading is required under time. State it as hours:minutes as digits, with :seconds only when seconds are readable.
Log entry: 7:26:53
